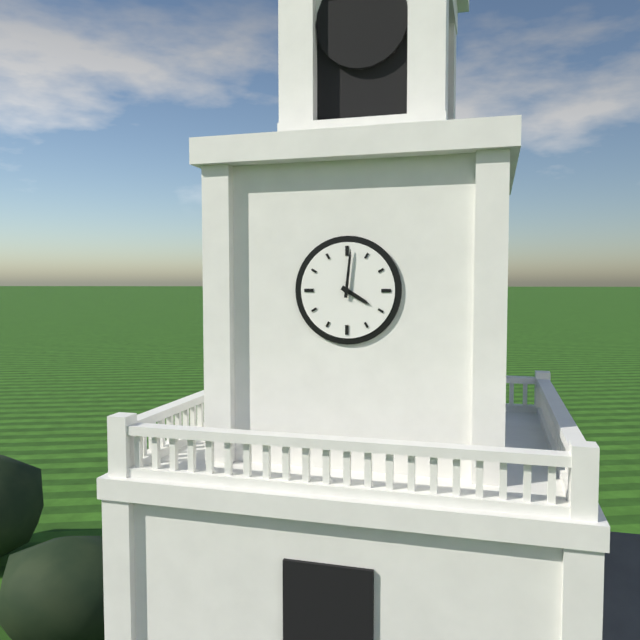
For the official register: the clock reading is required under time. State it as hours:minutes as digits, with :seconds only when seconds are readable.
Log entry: 4:01
